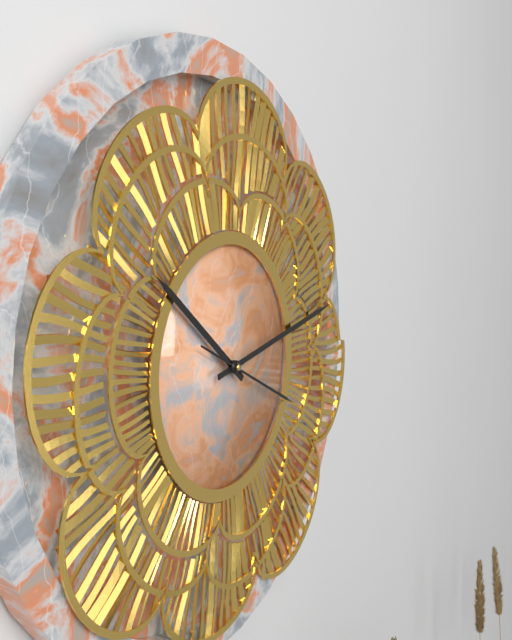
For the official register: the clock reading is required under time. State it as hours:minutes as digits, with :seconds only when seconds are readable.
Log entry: 10:13:19
